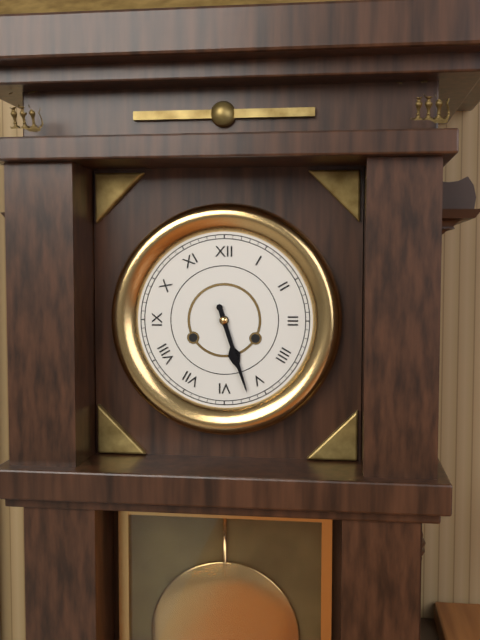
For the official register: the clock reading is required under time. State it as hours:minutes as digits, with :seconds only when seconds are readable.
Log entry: 5:27
